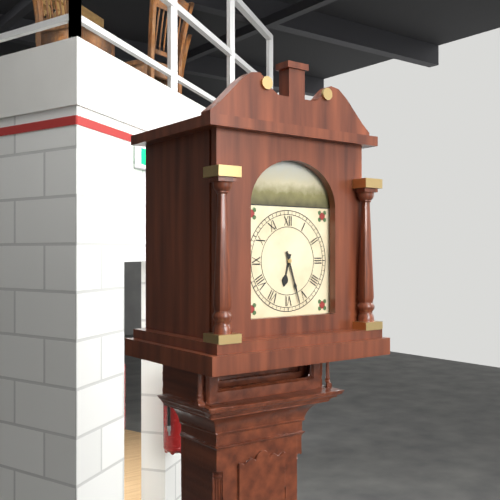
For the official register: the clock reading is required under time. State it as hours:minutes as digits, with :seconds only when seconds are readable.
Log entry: 6:27
